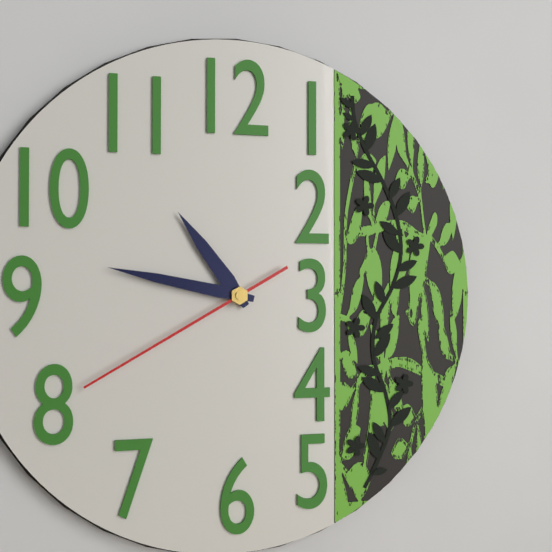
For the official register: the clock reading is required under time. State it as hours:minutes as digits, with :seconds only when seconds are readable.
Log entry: 10:47:40
